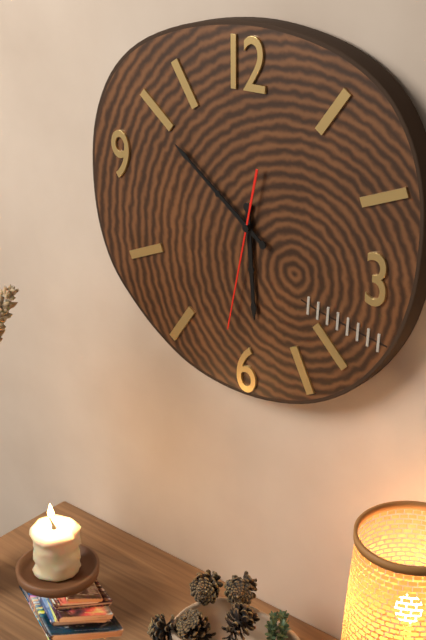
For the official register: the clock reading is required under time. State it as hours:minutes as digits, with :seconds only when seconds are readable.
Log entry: 5:51:32
